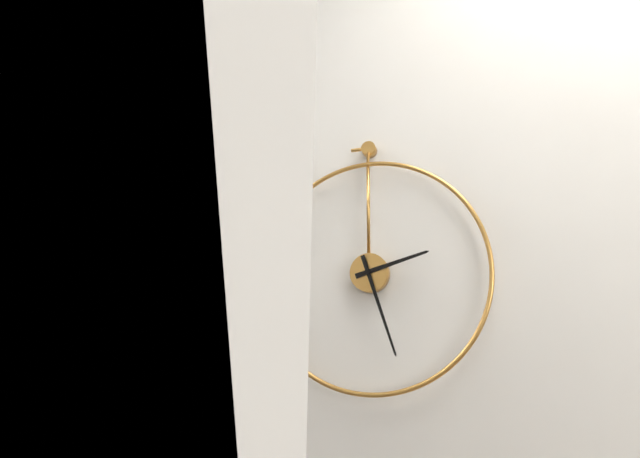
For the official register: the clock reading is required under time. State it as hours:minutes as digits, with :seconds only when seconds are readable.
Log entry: 2:27
